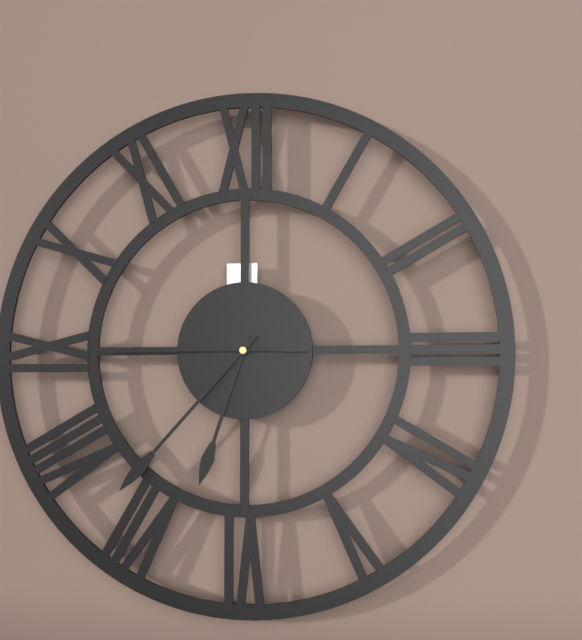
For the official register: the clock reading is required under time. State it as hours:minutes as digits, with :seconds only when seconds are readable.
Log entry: 6:37:45
